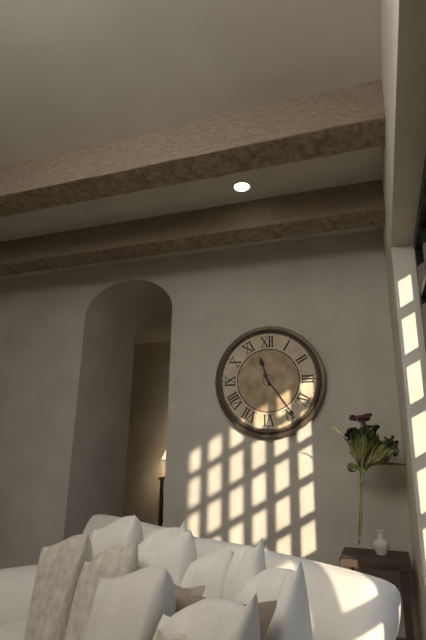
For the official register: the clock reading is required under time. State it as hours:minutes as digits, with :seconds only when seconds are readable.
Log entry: 11:24
